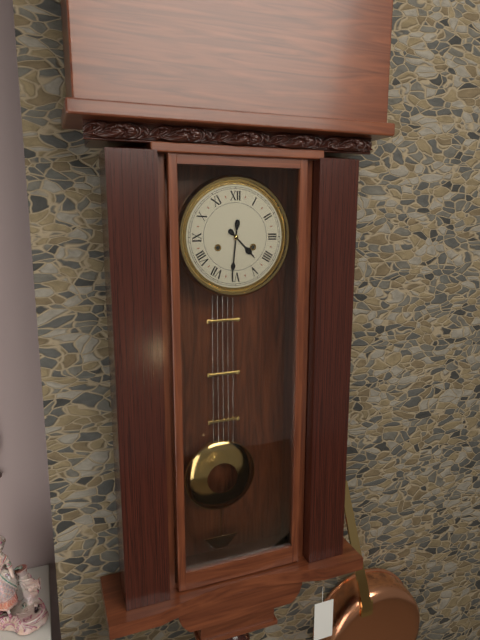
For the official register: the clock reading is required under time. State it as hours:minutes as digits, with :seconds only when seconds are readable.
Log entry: 4:31
